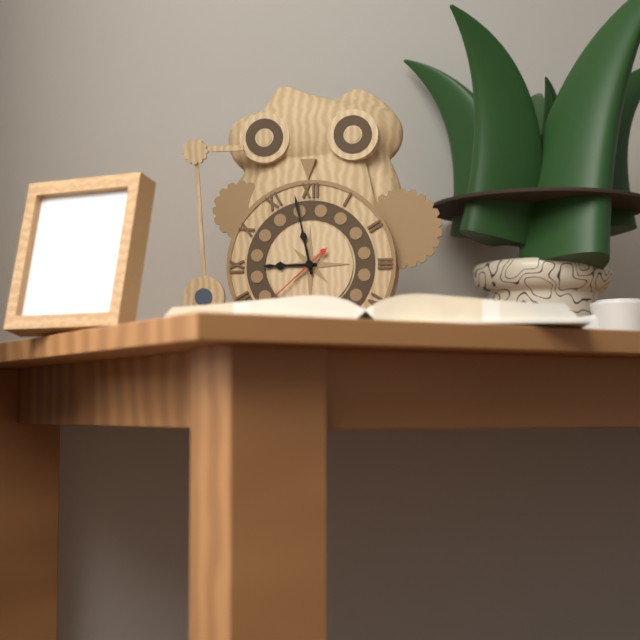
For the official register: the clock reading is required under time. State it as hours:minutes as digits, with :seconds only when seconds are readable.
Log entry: 8:58
